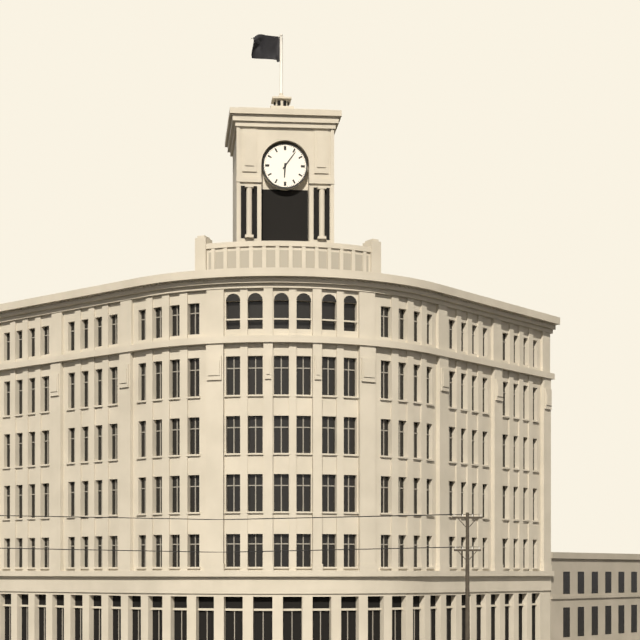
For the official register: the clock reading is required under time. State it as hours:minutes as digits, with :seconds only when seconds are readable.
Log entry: 6:06
